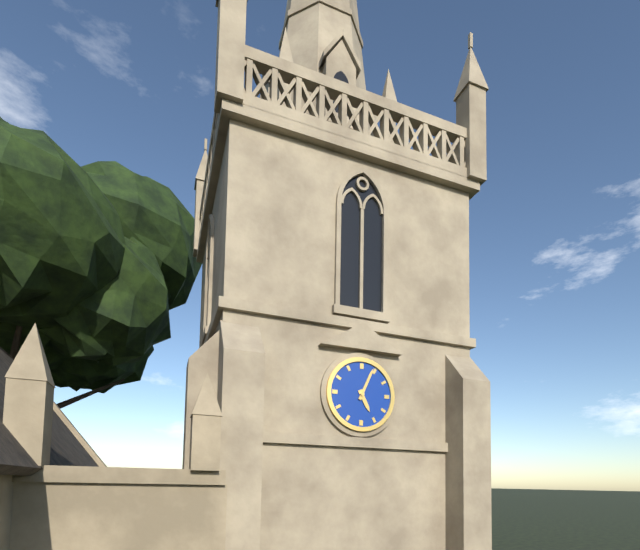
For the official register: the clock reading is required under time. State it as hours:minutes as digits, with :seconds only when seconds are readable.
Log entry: 5:04
